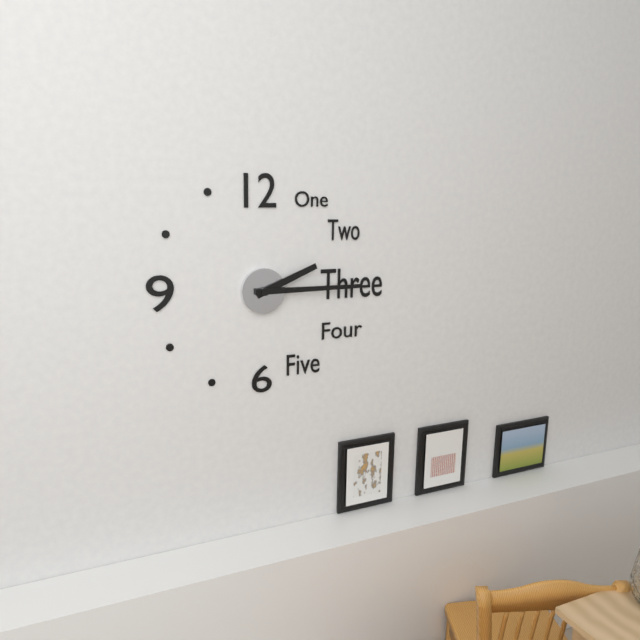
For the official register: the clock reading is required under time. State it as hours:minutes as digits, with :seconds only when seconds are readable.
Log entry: 2:15
